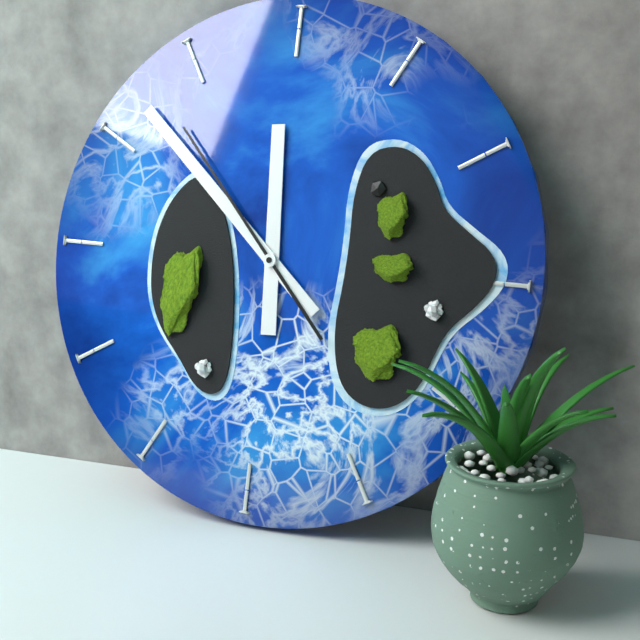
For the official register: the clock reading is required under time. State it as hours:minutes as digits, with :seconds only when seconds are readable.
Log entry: 11:52:53
